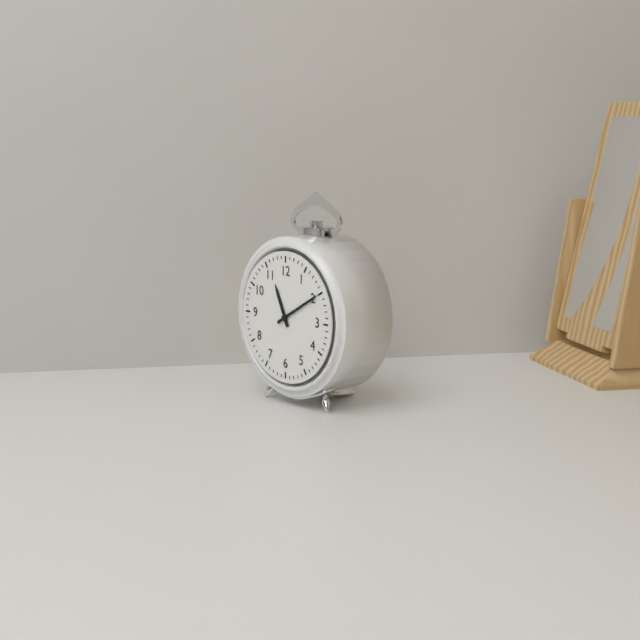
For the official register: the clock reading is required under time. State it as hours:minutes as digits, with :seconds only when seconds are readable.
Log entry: 11:10
